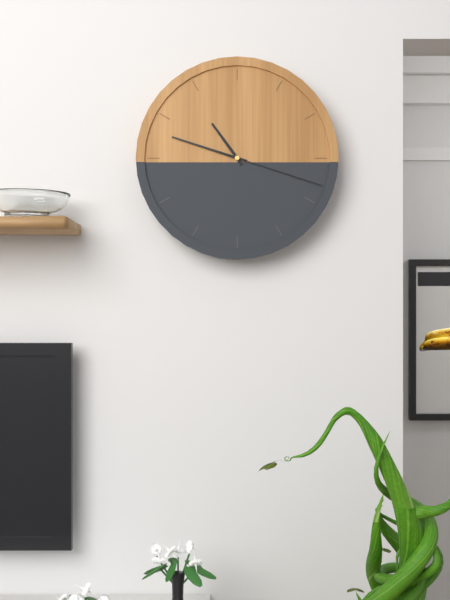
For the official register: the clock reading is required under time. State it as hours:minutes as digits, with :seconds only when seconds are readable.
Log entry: 10:48:18
